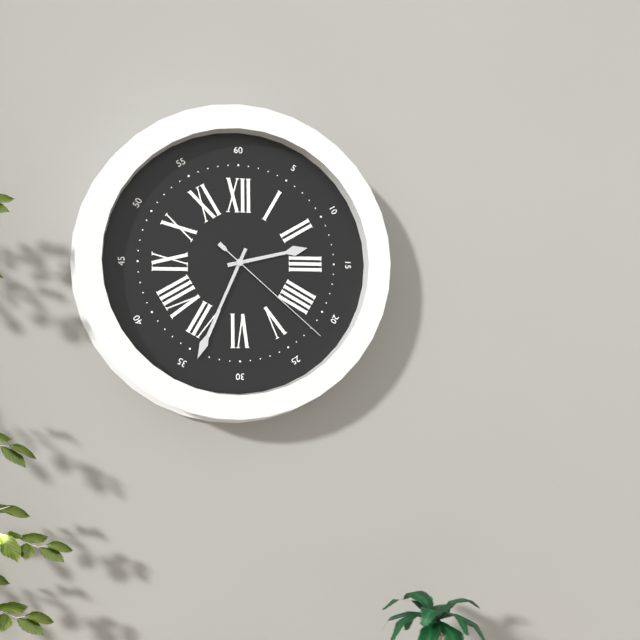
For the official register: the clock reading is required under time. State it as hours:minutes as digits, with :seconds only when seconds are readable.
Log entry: 2:34:22
